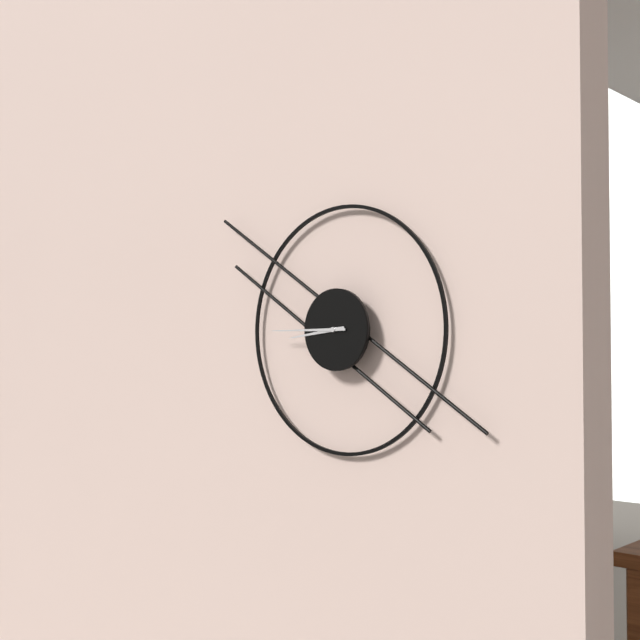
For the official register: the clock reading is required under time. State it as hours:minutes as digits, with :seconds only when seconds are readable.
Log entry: 8:45
